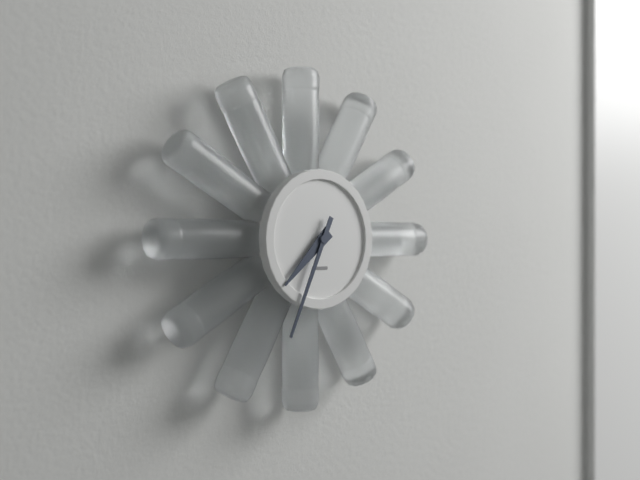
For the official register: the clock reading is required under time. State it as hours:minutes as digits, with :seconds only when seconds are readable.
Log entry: 7:34
